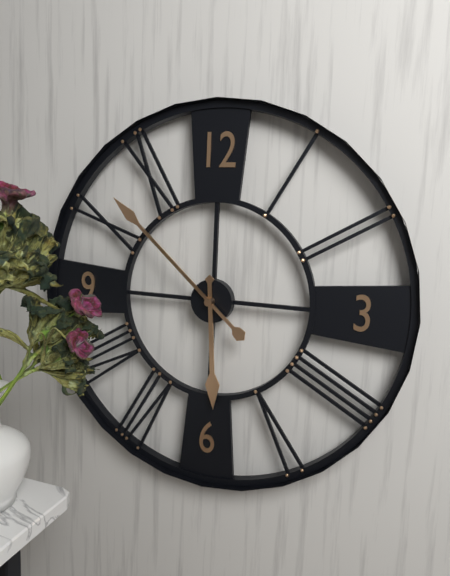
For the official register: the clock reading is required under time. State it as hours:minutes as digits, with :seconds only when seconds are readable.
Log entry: 5:52
